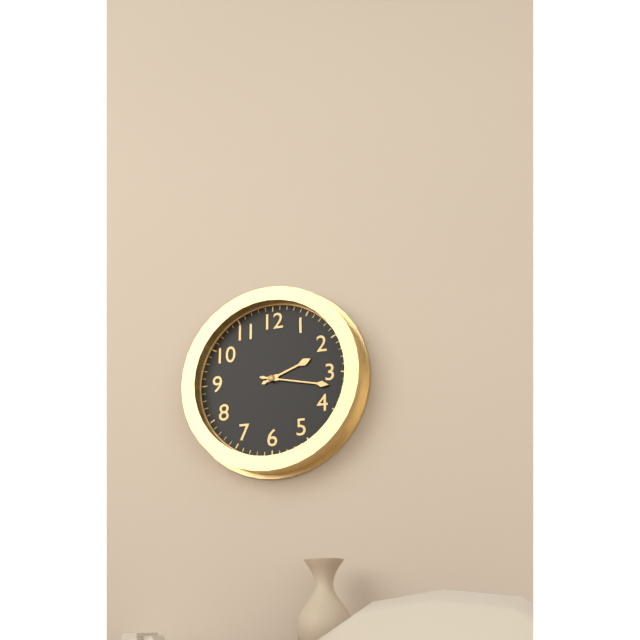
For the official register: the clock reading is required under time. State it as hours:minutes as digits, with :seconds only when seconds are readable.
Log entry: 2:17
